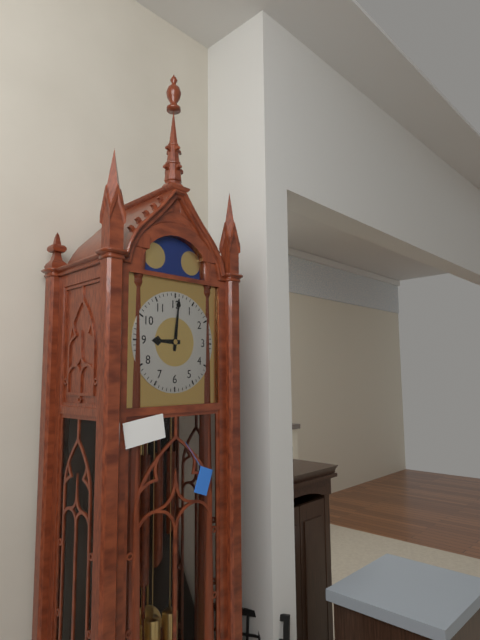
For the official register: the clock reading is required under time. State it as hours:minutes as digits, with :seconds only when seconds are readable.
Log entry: 9:01
